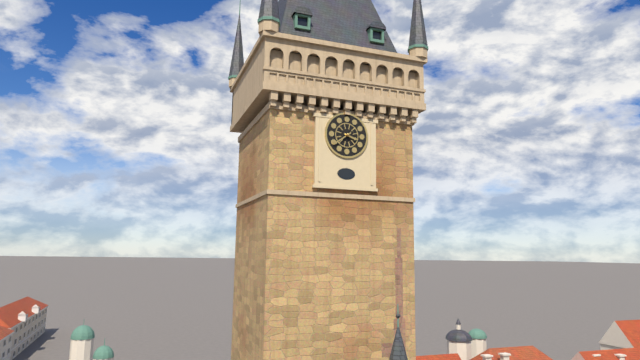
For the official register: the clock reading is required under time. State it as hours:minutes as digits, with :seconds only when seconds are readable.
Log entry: 3:39
